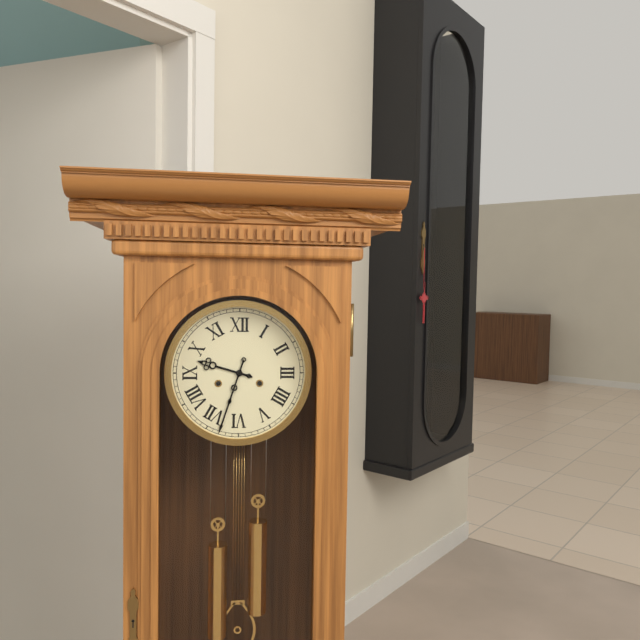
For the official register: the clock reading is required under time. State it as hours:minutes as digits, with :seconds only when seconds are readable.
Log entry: 9:33
